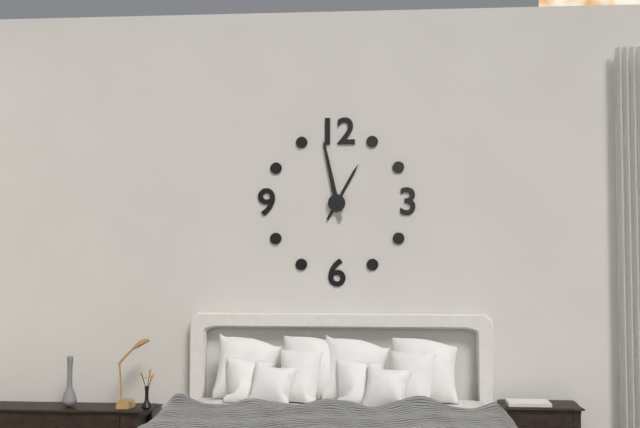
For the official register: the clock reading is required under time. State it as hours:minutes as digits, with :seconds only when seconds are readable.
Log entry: 12:58
